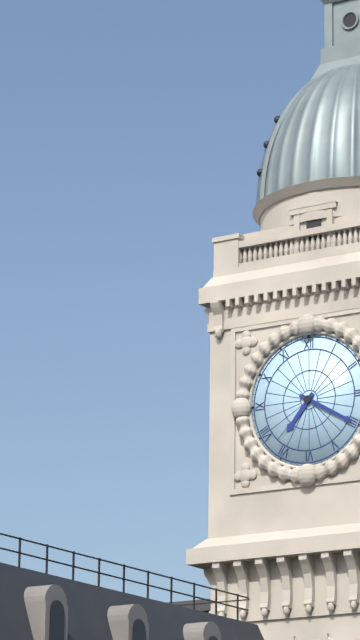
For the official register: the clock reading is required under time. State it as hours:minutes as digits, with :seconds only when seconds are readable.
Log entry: 7:20
